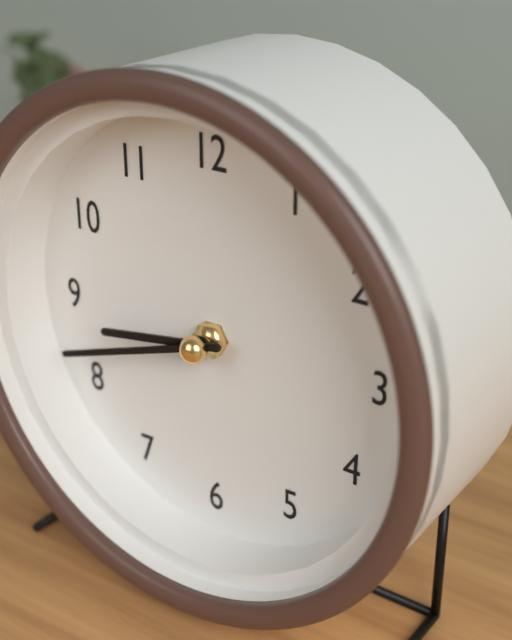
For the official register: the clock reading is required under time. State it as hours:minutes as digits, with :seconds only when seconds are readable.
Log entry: 8:42
